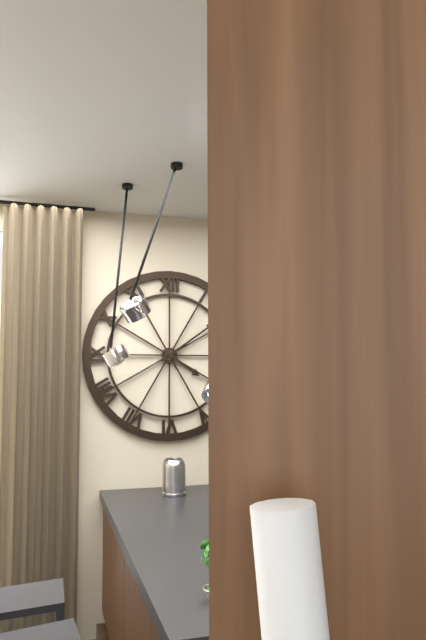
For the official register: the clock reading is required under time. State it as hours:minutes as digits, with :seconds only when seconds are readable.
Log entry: 4:09
